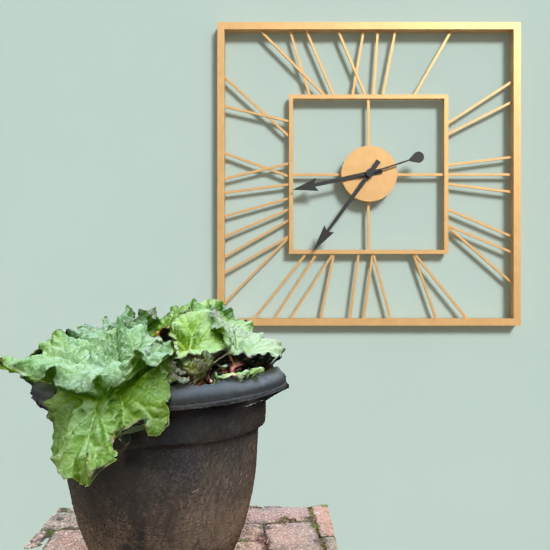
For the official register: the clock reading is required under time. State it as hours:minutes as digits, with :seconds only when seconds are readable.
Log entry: 8:36:12
